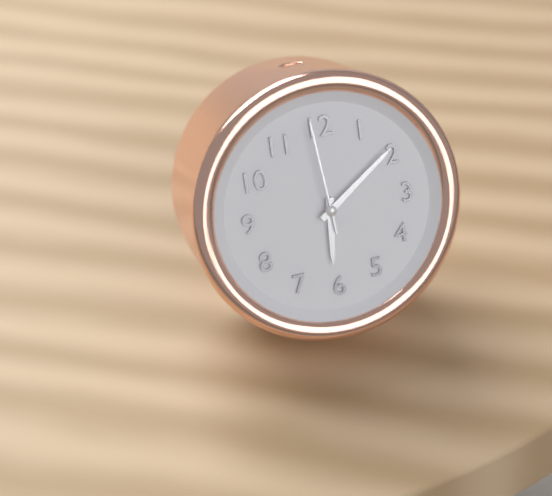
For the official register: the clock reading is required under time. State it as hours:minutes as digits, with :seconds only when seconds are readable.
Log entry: 6:09:59
